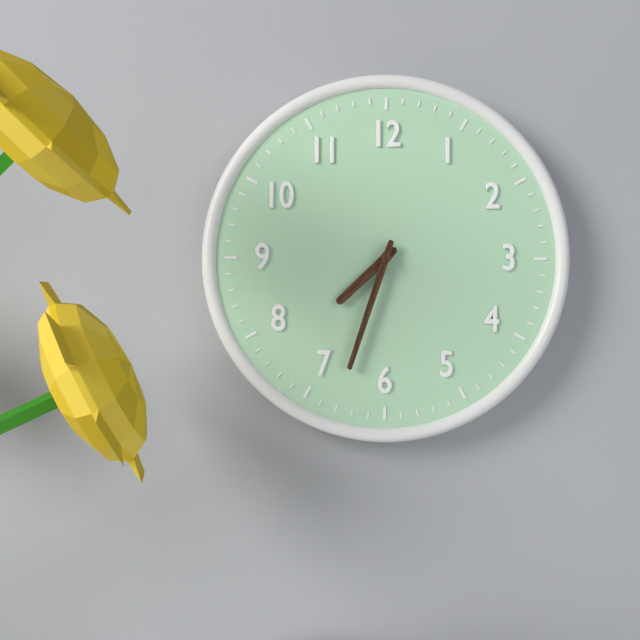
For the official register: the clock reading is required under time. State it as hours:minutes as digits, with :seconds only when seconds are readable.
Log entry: 7:33
